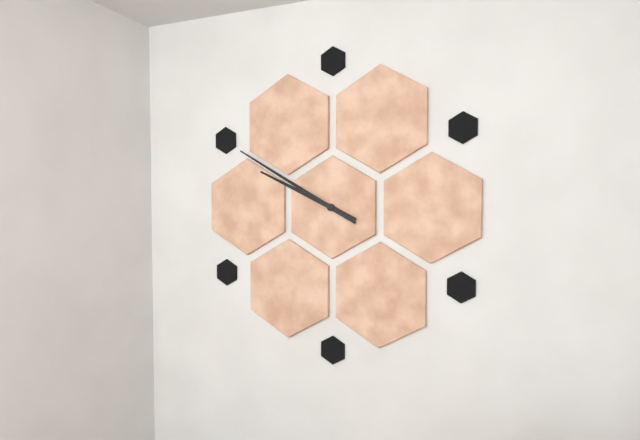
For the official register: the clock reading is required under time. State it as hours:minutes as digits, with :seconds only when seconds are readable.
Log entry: 9:50
